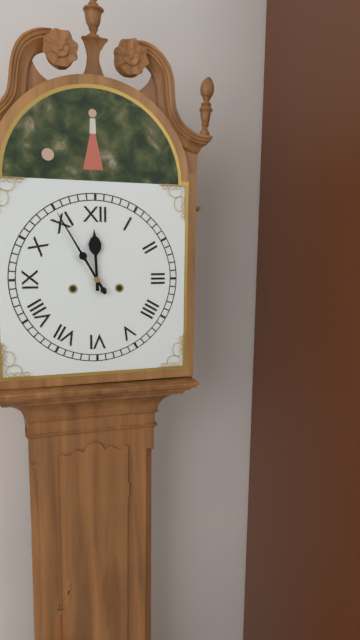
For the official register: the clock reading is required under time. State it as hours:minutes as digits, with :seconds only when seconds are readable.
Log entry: 11:55
